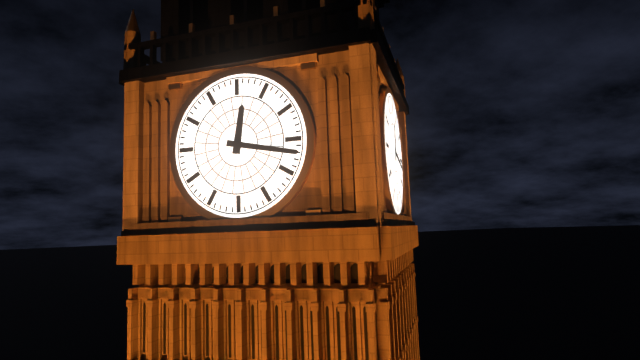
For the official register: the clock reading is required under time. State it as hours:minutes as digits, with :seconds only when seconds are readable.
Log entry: 12:17
